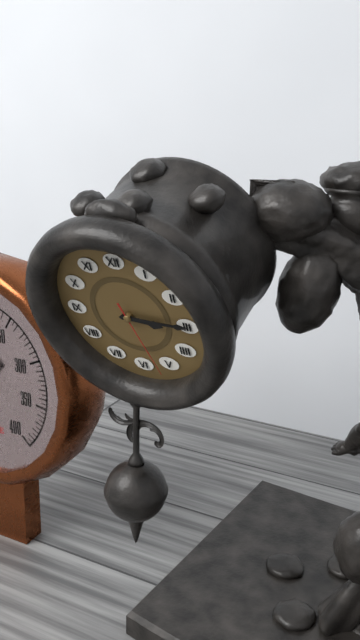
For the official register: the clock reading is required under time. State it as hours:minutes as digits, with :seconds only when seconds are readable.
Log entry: 3:15:27
